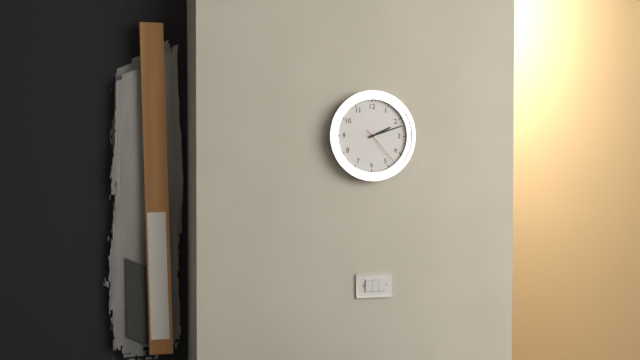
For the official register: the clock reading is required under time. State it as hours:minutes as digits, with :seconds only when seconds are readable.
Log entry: 2:12
